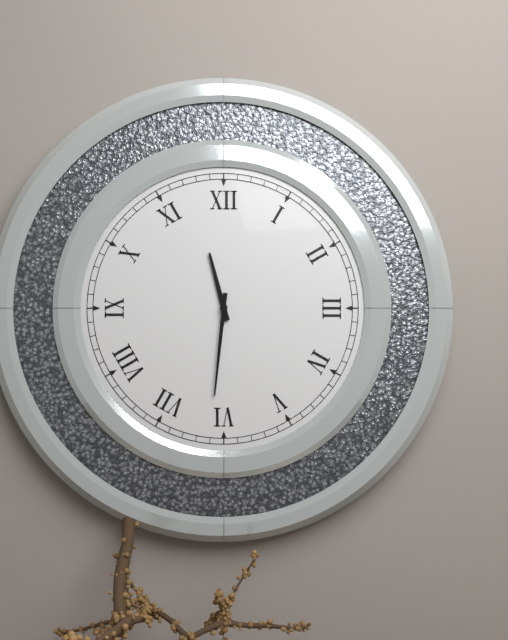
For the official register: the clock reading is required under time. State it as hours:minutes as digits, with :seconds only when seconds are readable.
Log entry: 11:31
